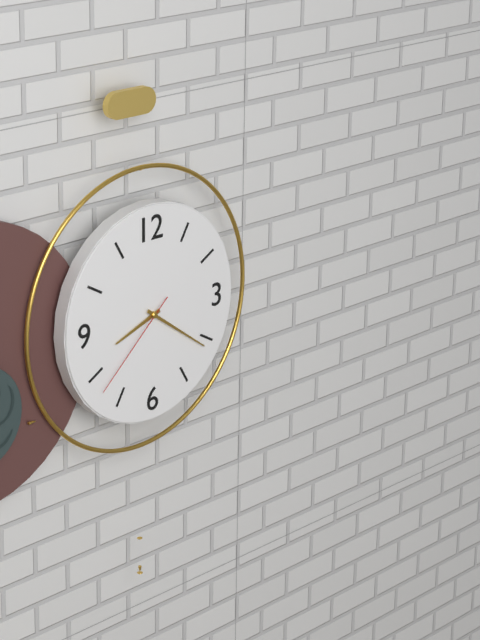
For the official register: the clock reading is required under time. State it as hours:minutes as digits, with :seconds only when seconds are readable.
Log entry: 8:21:38
